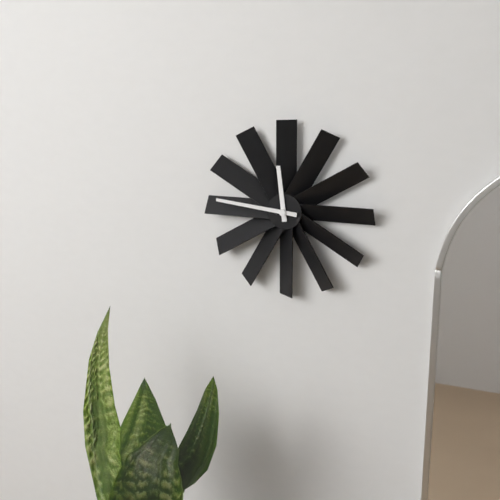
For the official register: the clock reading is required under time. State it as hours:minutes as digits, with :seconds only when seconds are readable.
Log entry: 11:46
